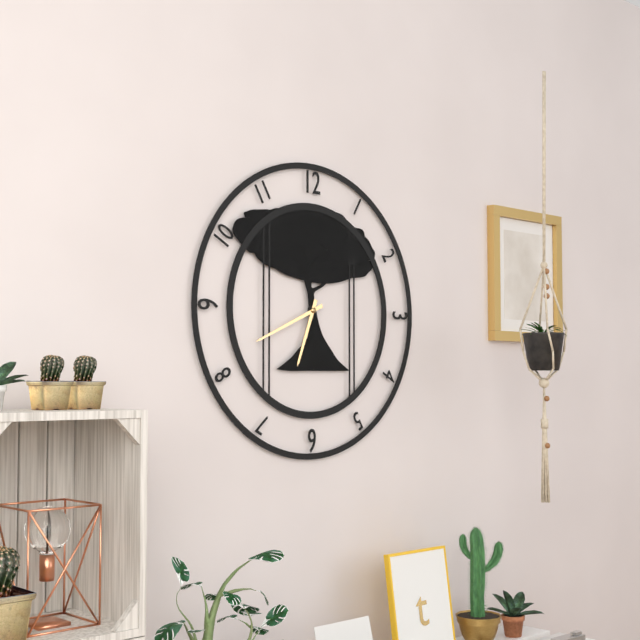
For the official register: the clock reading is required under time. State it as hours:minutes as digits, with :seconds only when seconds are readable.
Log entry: 6:41
